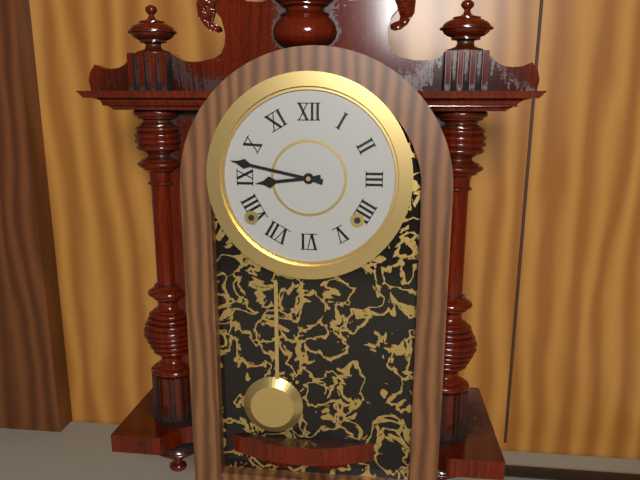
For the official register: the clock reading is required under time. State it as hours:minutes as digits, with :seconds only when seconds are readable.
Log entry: 8:47
